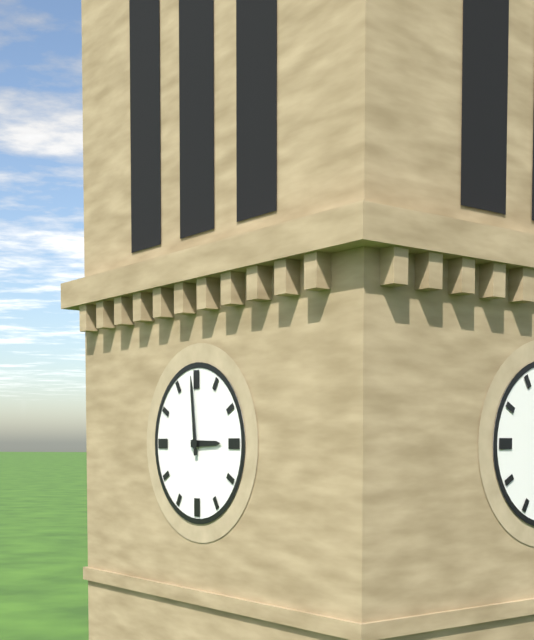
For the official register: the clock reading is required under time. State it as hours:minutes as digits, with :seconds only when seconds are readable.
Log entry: 2:59
